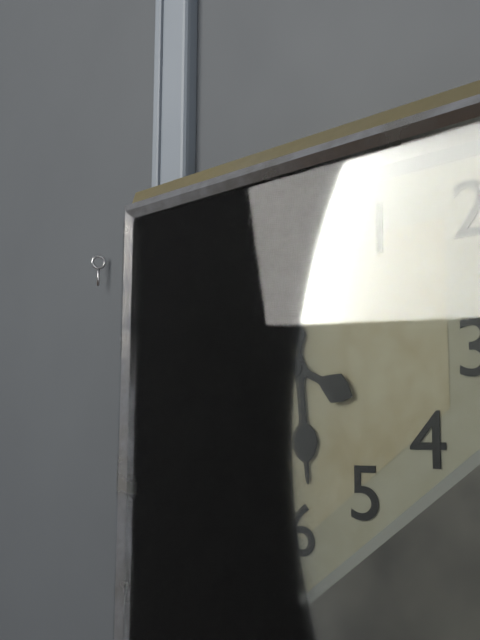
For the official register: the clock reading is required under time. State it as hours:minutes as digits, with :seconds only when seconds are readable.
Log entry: 5:49
